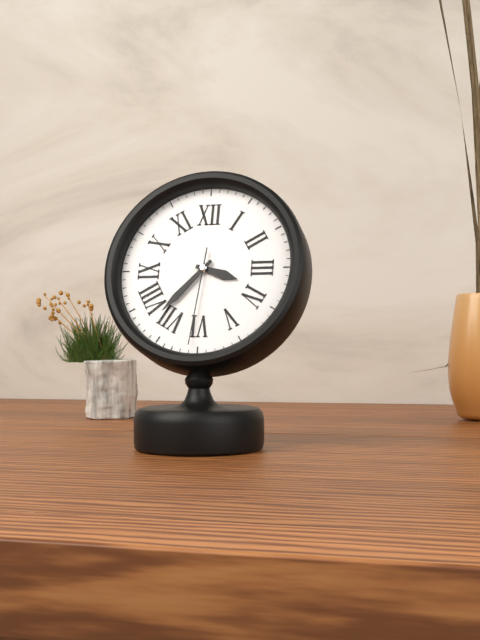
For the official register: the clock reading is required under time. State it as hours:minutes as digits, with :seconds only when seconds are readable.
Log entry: 3:37:31
